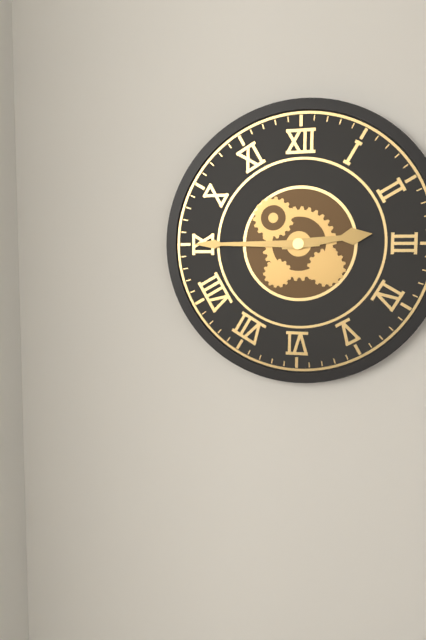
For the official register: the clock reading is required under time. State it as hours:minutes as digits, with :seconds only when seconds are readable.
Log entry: 2:45
